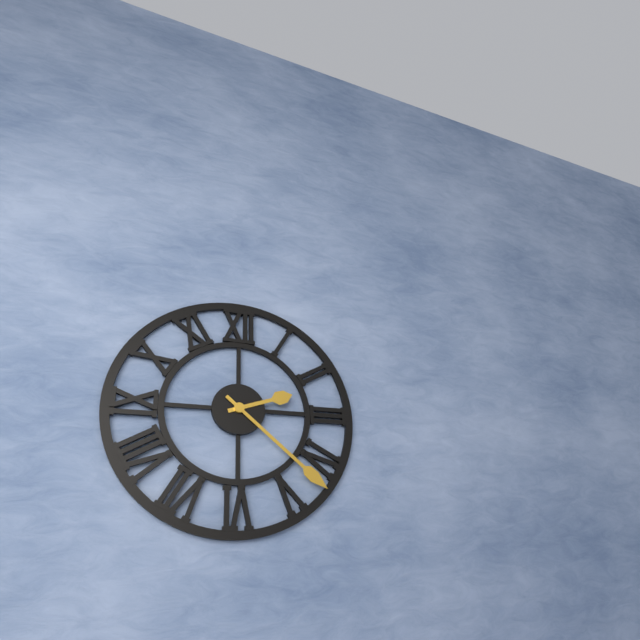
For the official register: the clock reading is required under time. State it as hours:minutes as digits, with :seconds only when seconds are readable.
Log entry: 2:22
